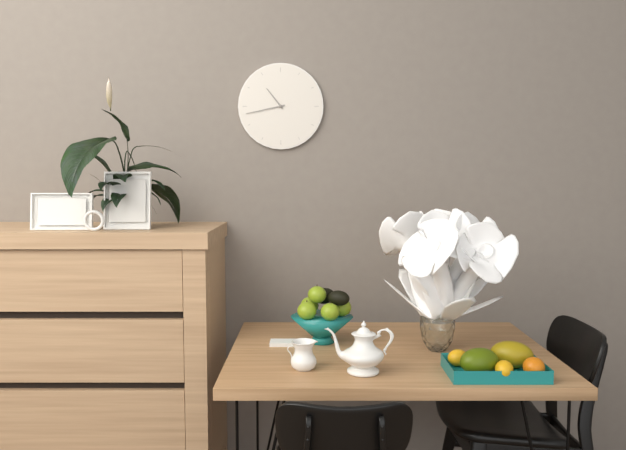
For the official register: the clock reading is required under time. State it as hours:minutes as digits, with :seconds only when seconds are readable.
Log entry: 10:43
